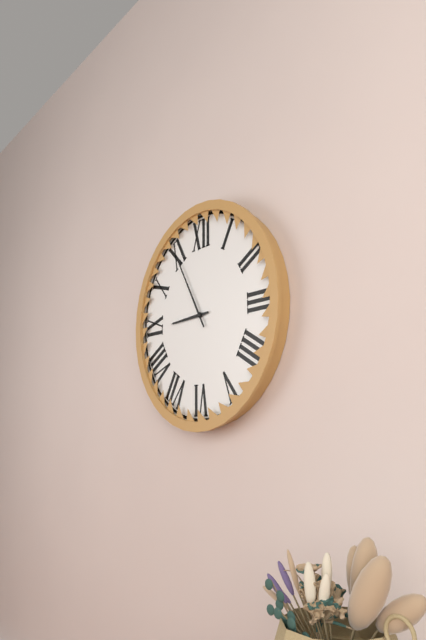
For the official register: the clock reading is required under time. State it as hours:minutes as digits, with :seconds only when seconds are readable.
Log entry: 8:55
